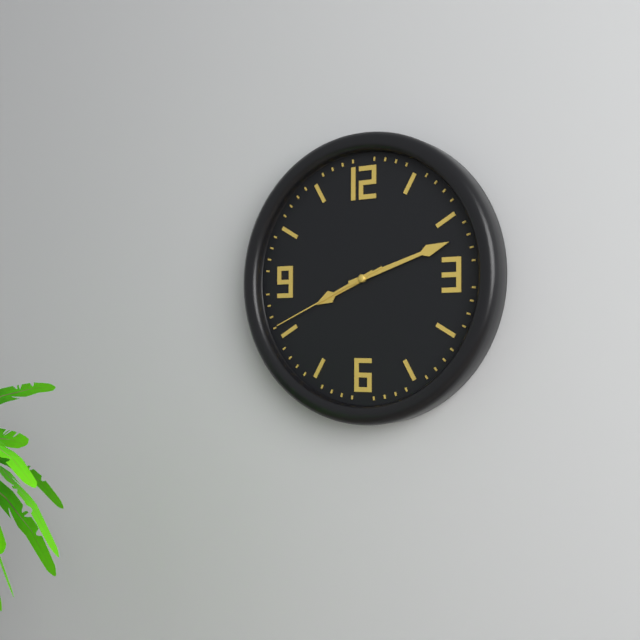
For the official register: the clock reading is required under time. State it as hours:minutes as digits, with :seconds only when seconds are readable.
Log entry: 8:12:41
